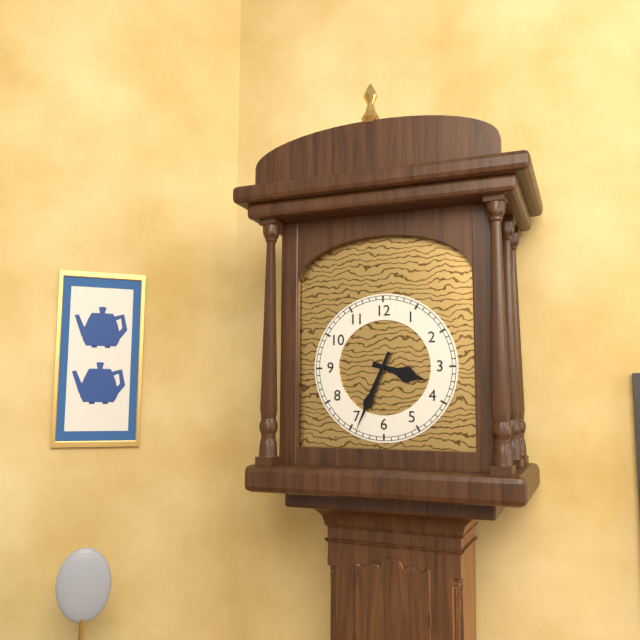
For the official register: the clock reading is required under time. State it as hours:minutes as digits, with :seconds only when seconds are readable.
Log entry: 3:34
